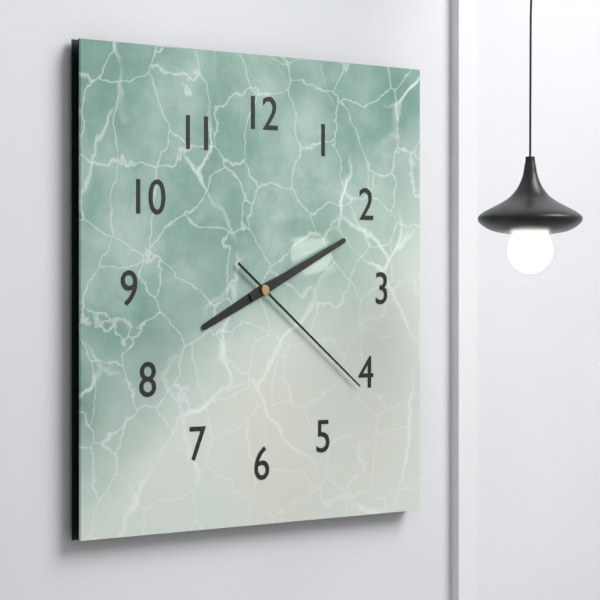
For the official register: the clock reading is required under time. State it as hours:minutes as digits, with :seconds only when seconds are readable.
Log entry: 8:11:21
